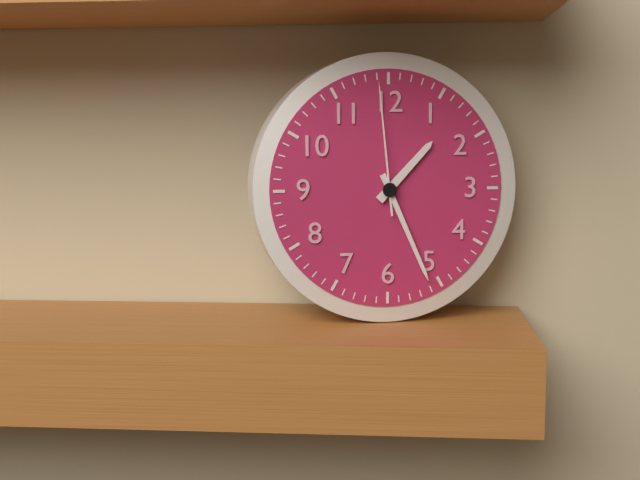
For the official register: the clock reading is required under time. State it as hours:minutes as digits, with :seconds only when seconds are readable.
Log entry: 1:26:59
